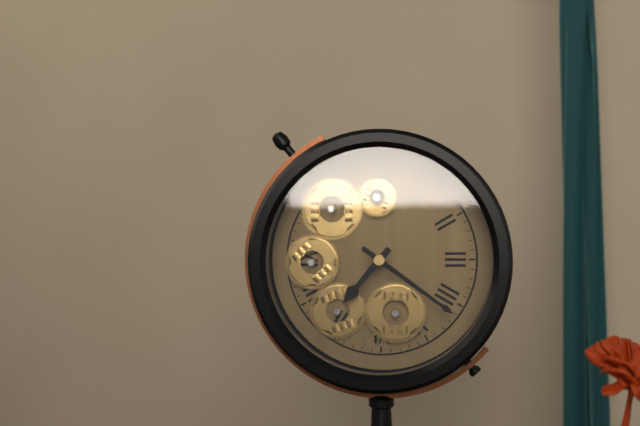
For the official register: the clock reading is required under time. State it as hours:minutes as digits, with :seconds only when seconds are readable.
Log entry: 7:21
